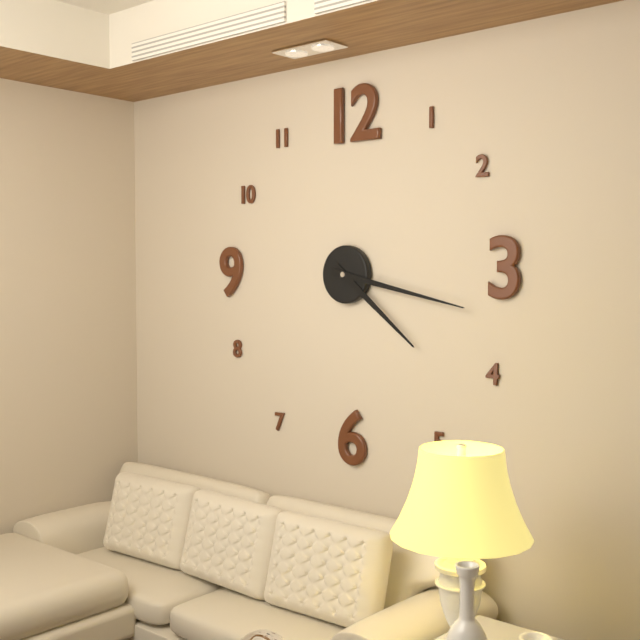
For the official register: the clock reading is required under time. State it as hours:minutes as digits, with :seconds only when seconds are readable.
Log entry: 4:17
